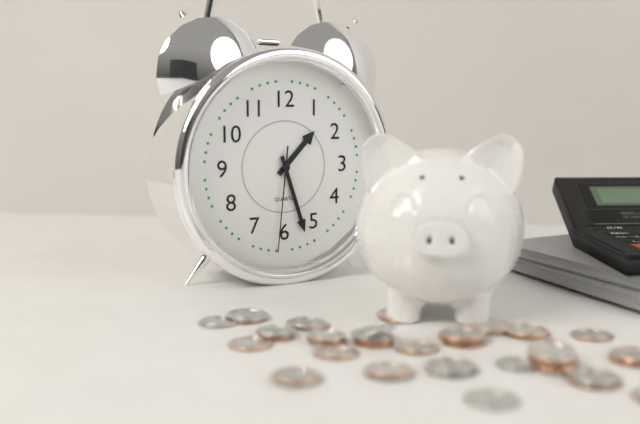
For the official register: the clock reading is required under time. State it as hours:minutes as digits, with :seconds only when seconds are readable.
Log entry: 1:27:31
